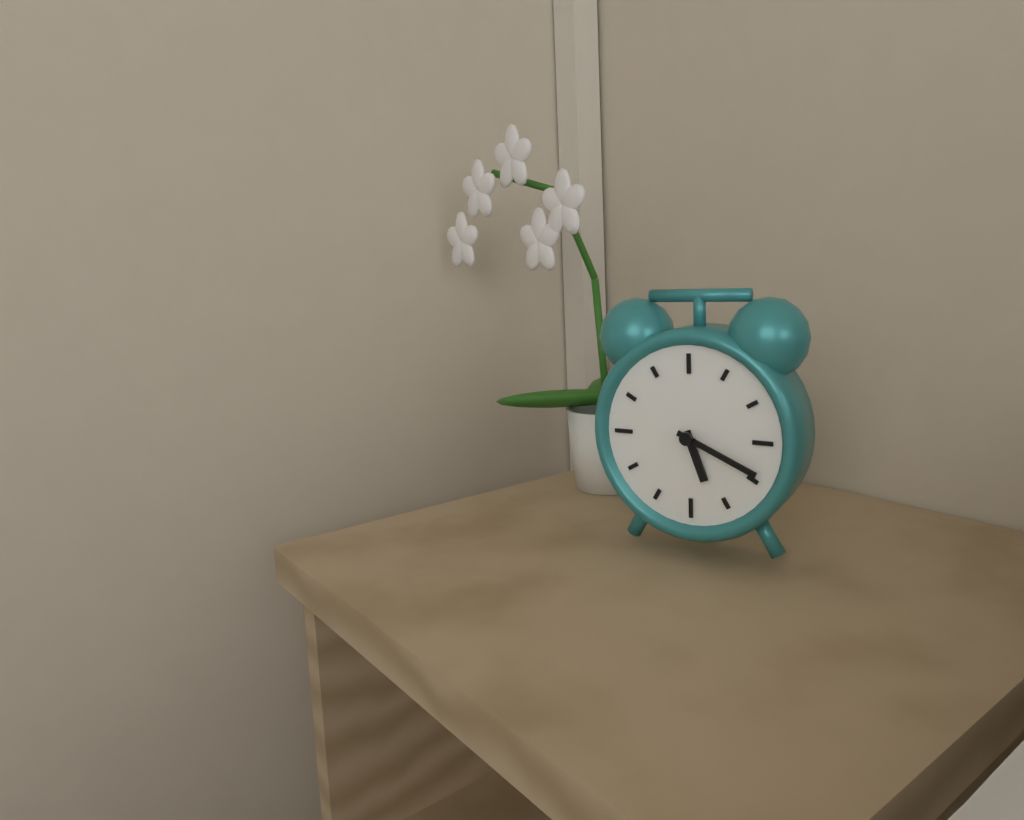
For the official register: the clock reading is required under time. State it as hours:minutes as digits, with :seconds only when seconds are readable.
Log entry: 5:19
